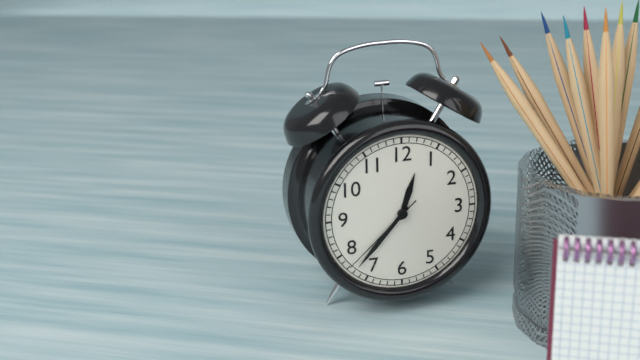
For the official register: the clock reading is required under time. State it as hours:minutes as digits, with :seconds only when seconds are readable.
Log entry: 12:37:38
